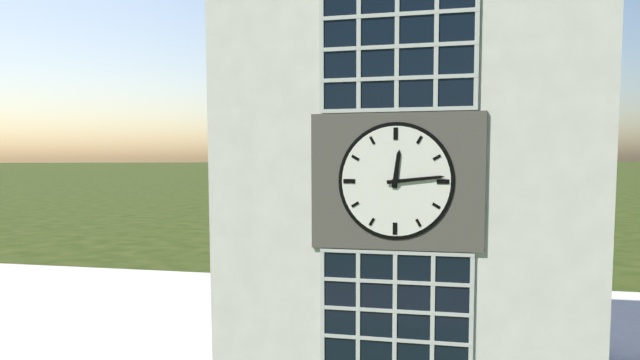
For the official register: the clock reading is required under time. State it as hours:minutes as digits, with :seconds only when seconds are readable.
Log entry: 12:14
